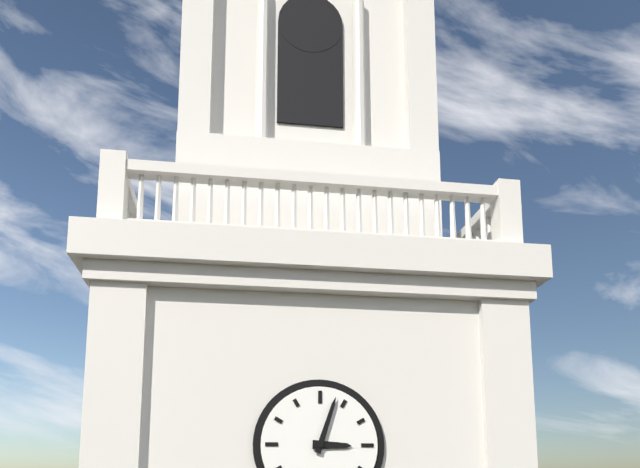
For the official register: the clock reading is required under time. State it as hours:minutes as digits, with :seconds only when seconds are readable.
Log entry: 3:03
